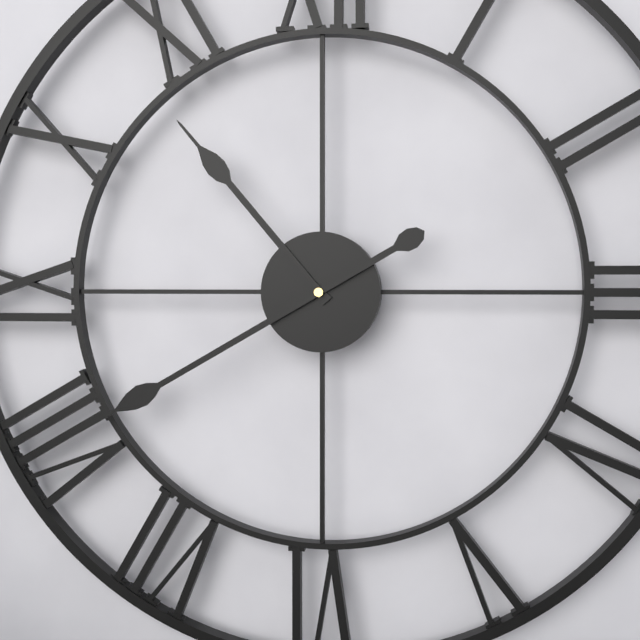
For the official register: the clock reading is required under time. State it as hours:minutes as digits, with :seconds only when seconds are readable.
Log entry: 10:40
